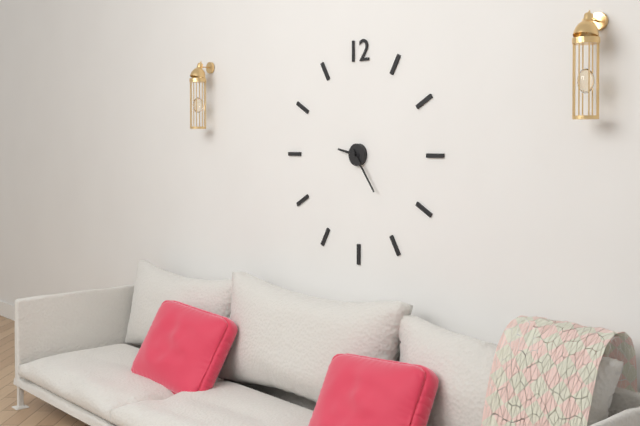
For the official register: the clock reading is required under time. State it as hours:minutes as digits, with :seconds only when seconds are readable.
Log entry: 9:24
